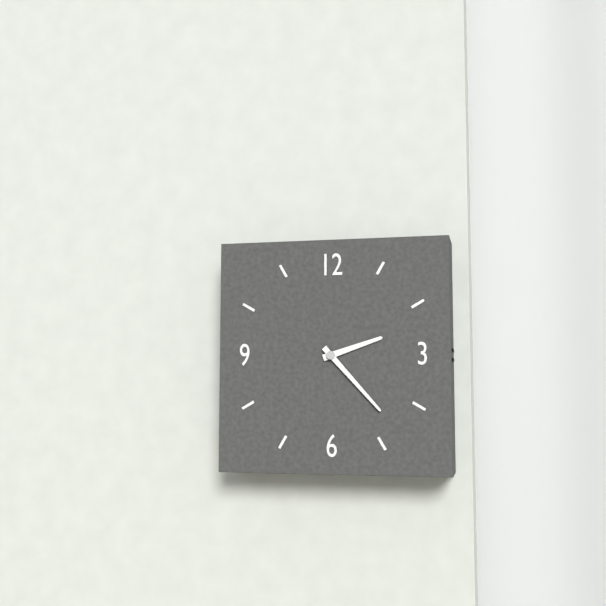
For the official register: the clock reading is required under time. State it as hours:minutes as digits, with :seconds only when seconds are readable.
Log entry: 2:23
